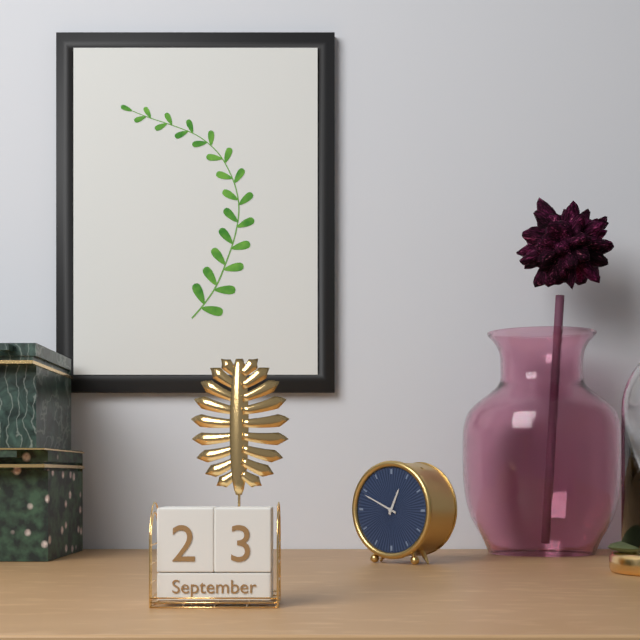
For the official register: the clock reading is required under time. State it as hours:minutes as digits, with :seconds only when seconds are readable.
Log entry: 12:49
